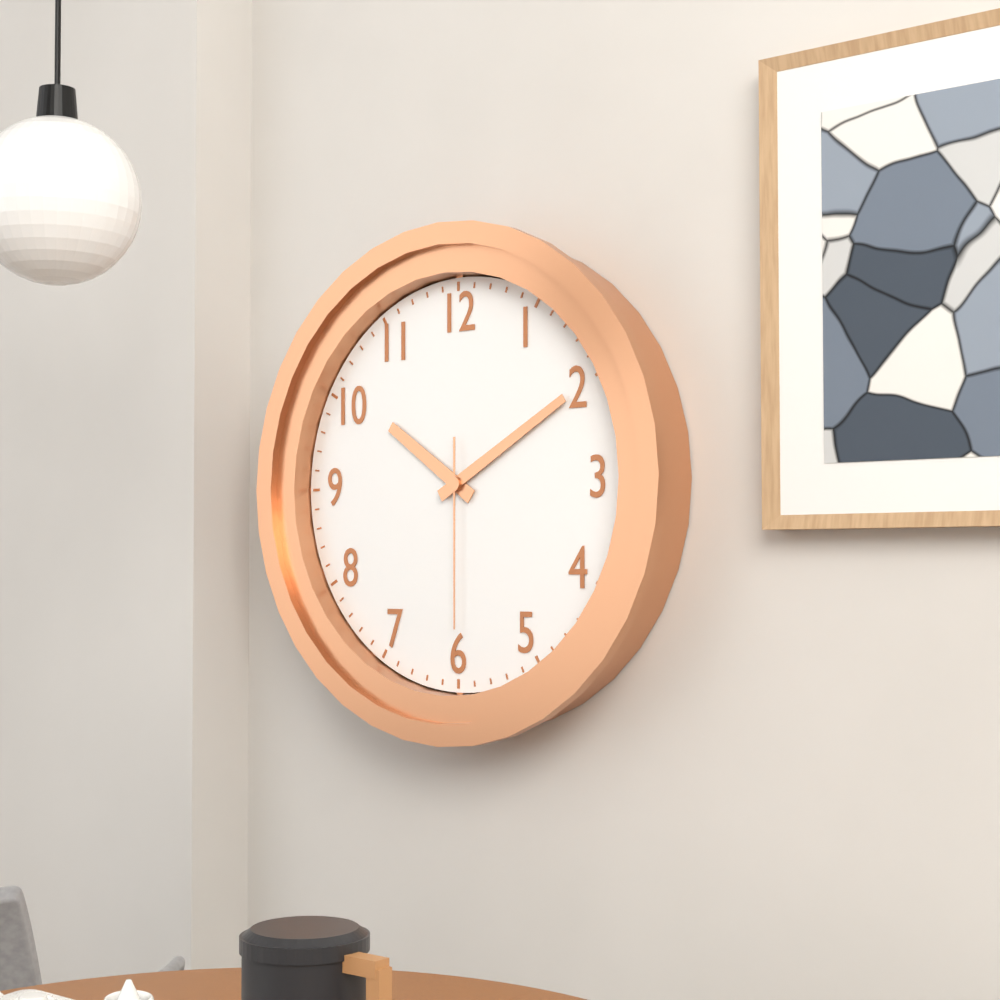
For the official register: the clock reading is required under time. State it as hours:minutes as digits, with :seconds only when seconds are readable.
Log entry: 10:10:30
